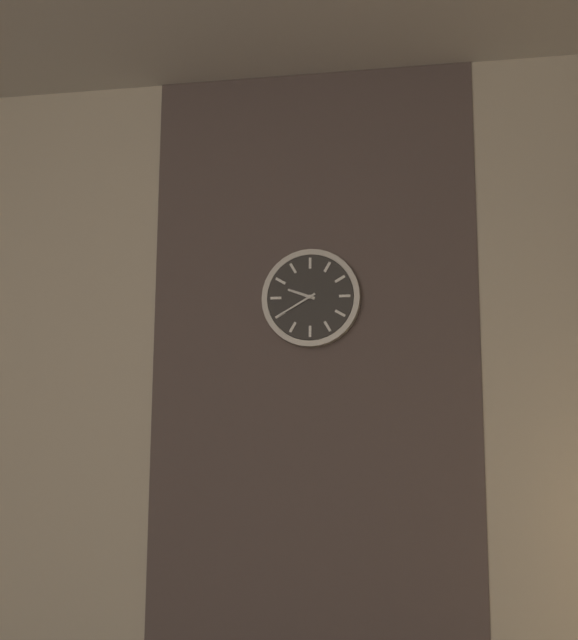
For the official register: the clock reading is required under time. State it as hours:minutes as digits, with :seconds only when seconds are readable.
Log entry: 9:40
